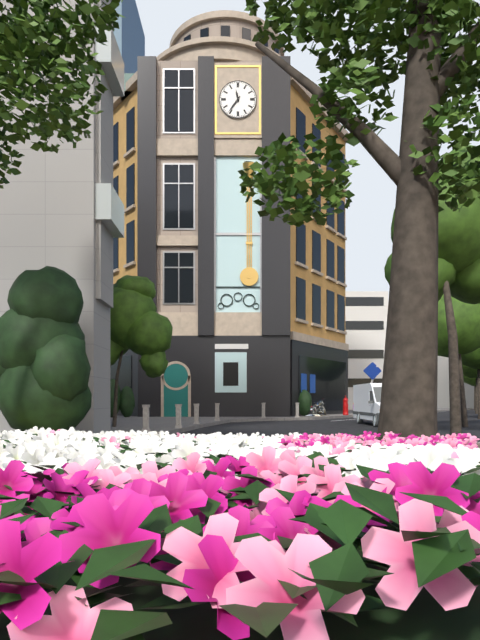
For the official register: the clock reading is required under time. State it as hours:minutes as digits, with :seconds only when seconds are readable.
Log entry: 11:36
